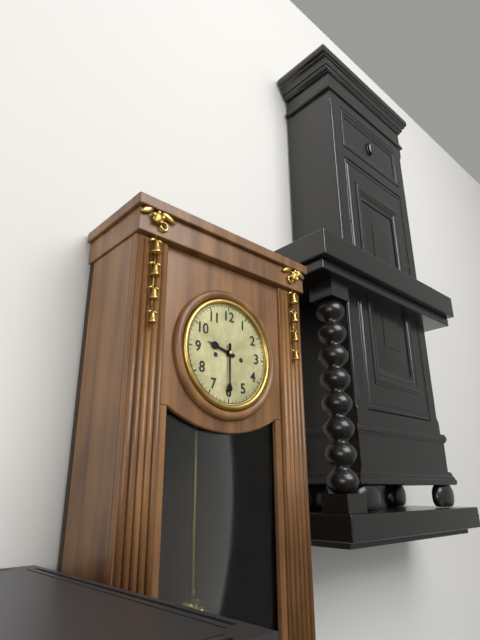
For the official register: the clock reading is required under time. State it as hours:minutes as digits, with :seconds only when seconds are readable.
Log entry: 9:30
